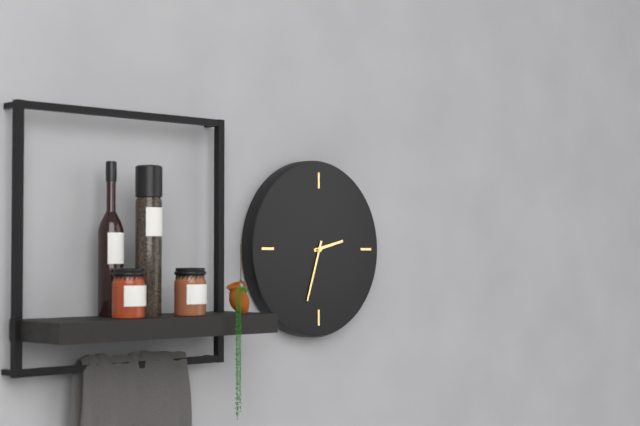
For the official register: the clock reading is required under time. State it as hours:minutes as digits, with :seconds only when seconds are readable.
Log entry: 2:33
